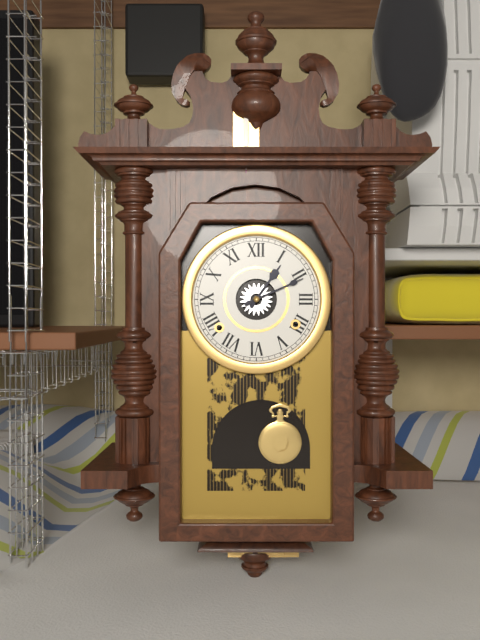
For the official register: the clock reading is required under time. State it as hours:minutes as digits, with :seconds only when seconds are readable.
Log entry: 1:11
